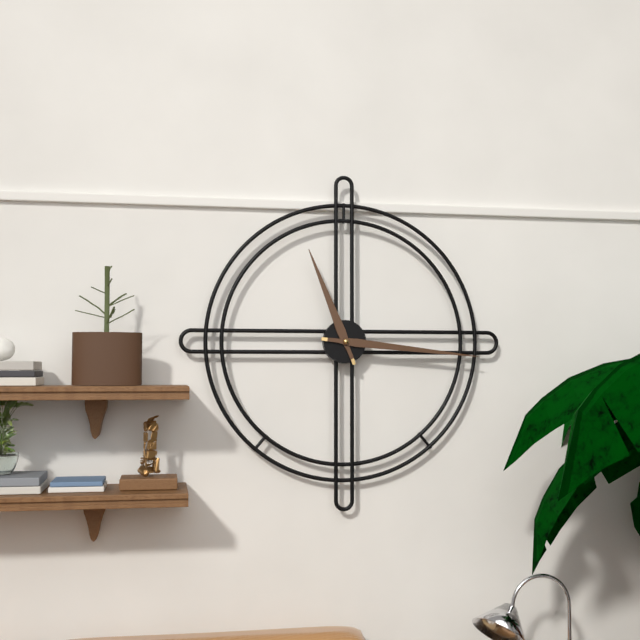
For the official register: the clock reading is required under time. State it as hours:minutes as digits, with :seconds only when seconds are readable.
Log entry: 11:16
